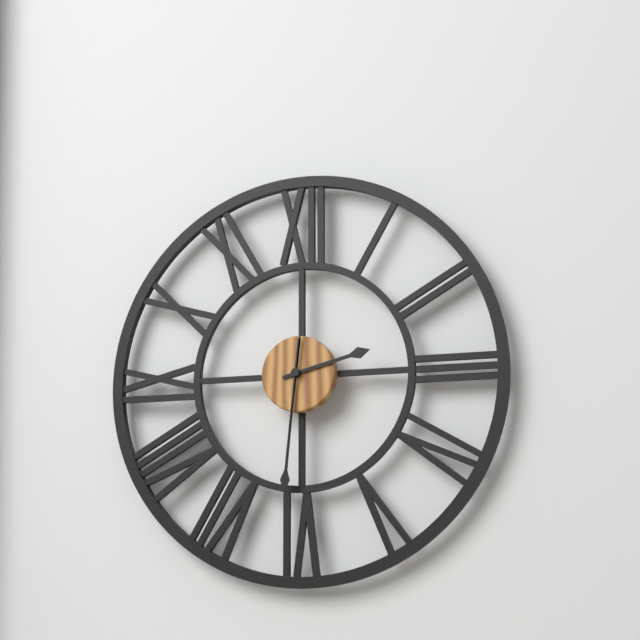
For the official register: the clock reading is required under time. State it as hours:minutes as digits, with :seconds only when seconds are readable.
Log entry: 2:31
